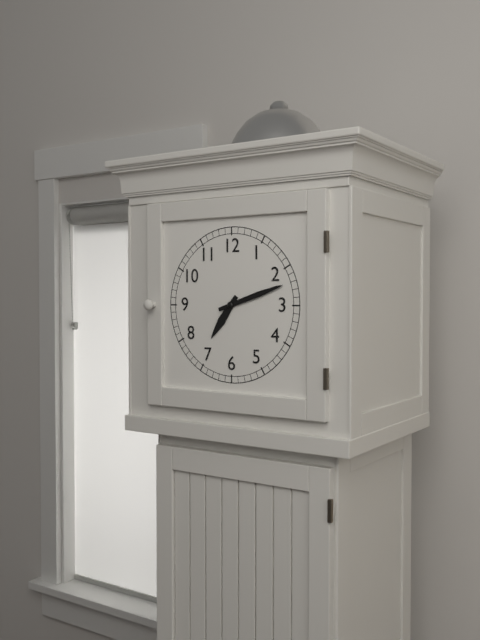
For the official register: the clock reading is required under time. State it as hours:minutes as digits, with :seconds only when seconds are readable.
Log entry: 7:12
